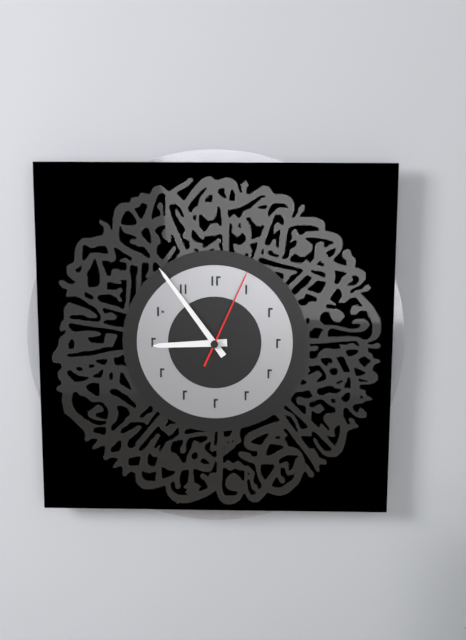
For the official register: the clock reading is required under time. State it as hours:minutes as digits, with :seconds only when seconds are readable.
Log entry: 8:54:04
